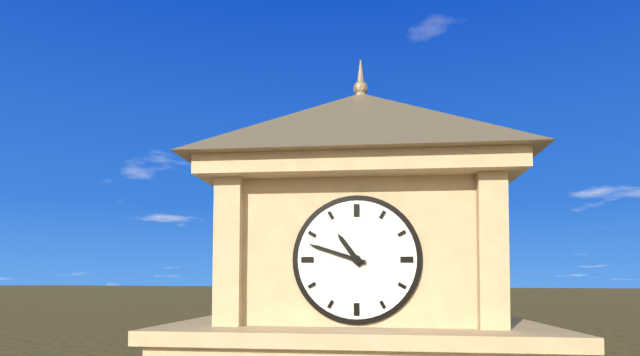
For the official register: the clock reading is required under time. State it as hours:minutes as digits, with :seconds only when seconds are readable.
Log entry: 10:48
